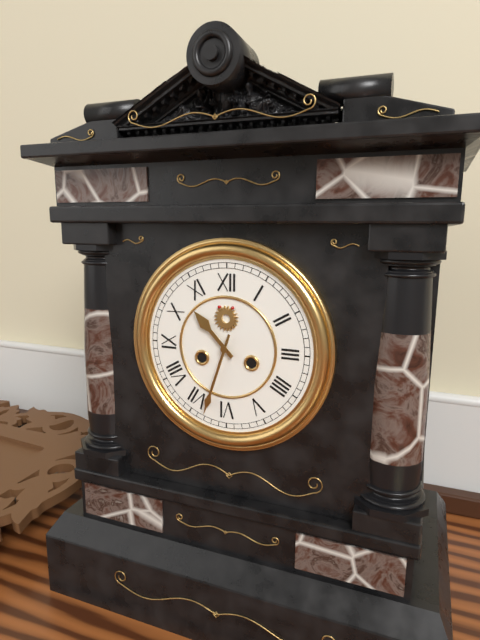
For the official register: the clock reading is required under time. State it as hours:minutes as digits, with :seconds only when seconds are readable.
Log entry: 10:33
